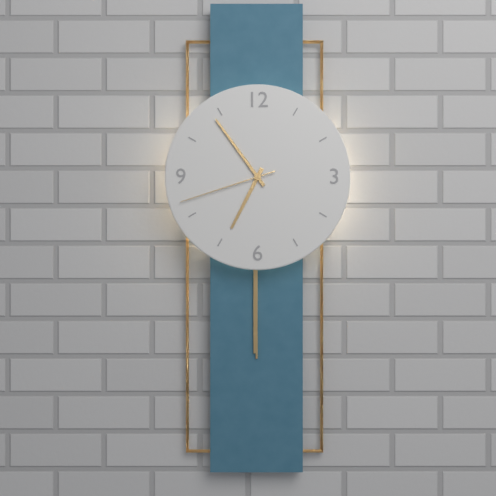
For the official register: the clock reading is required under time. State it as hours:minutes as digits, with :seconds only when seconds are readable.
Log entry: 6:54:42
